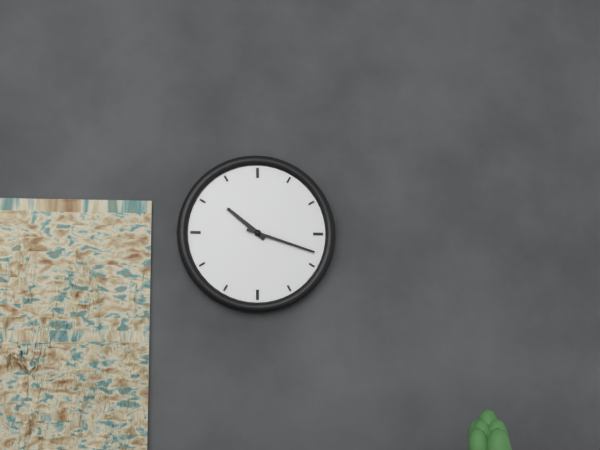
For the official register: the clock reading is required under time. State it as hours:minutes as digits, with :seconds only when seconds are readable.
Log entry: 10:18
